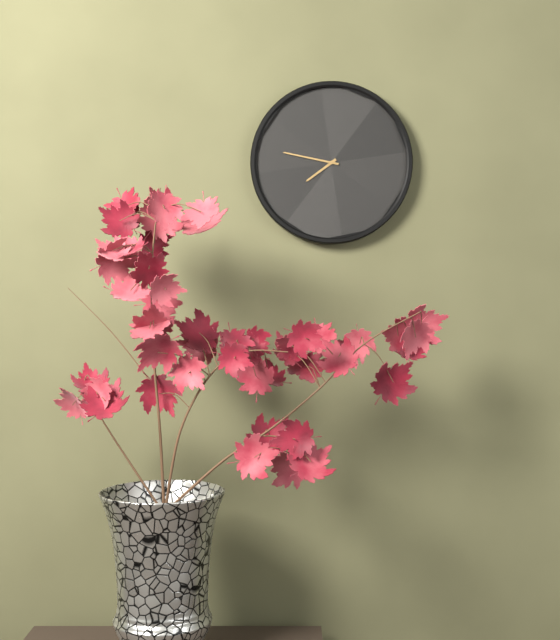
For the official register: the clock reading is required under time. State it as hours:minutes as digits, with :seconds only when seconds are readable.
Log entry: 7:47
